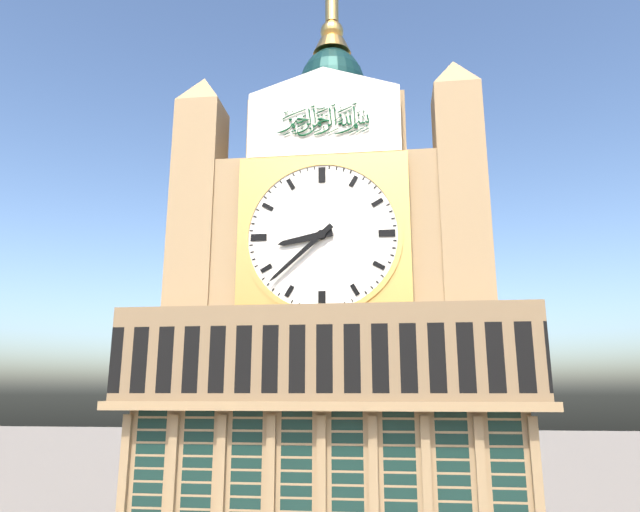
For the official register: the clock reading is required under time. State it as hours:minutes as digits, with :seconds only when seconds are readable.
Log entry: 8:38
